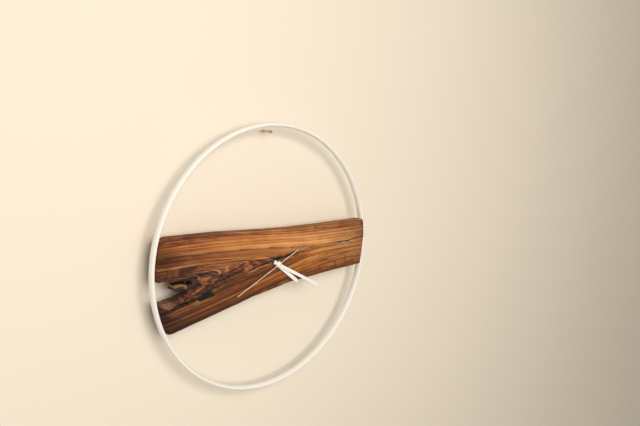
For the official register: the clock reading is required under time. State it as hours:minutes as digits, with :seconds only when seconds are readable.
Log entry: 4:20:41
